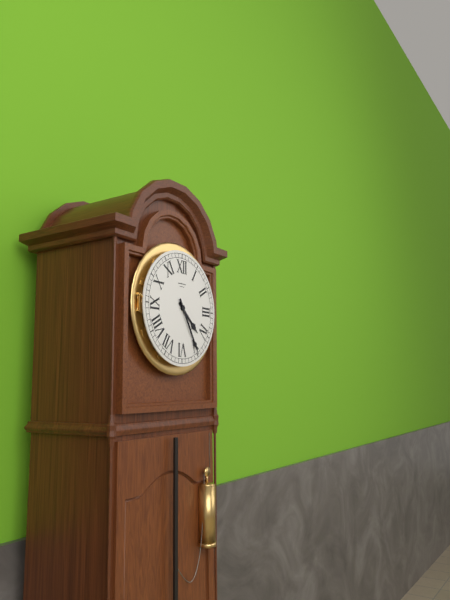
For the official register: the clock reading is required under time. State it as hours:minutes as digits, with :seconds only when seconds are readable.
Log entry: 4:25
